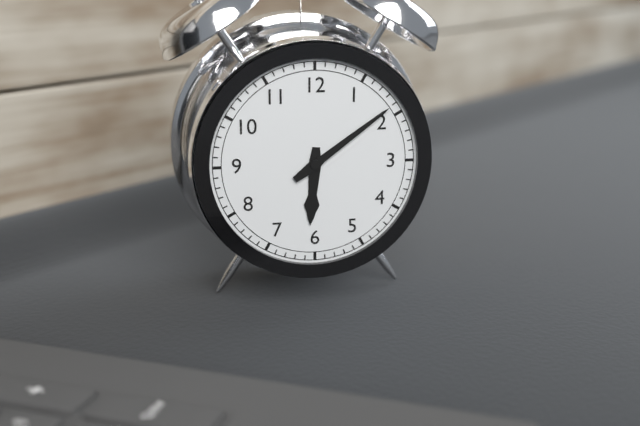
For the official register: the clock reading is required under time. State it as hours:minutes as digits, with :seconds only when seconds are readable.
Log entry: 6:09
